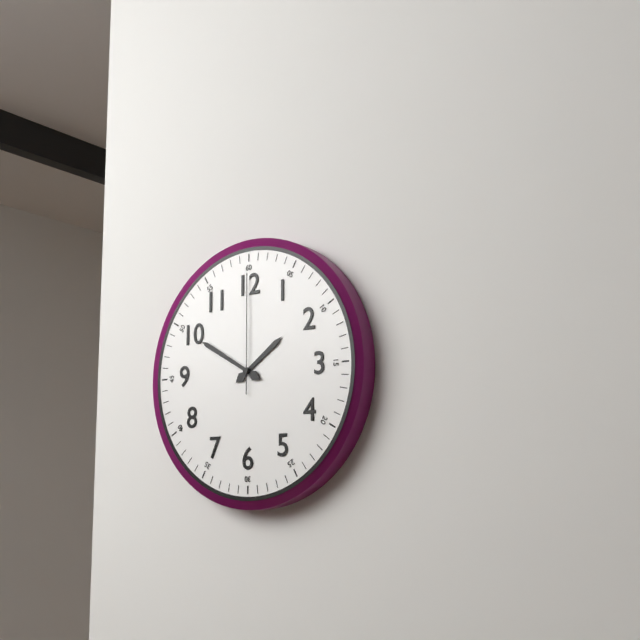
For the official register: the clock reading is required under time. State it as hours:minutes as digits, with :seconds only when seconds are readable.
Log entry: 1:50:00
